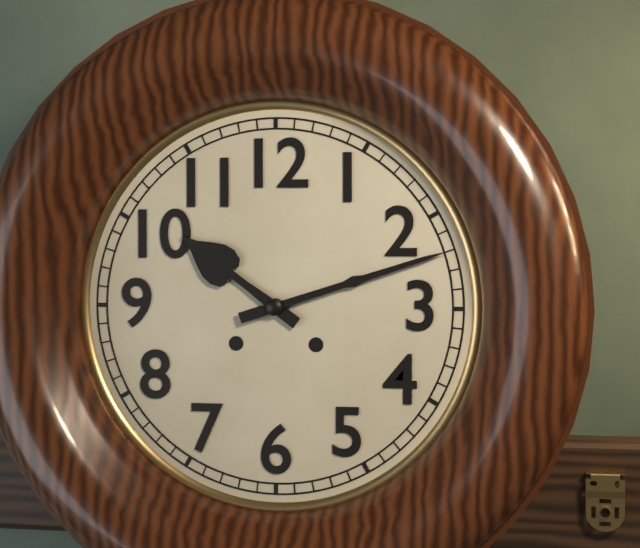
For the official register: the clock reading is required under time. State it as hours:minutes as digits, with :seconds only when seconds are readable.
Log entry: 10:12
